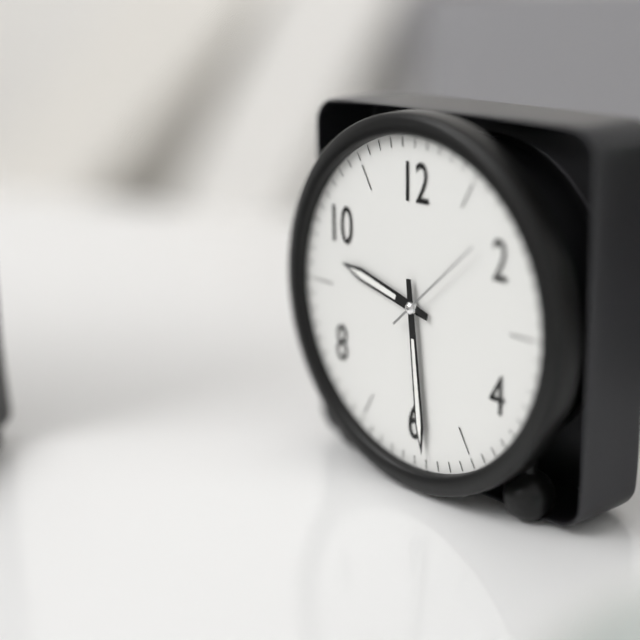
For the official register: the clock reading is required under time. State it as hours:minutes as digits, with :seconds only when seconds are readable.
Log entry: 9:29:08
